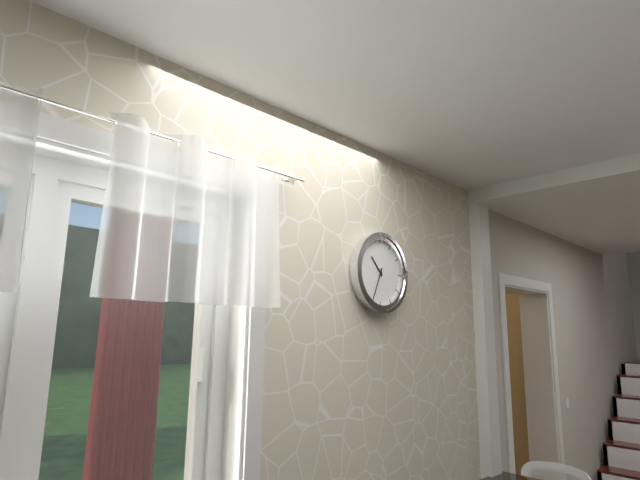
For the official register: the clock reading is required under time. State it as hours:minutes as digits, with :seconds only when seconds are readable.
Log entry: 10:34
